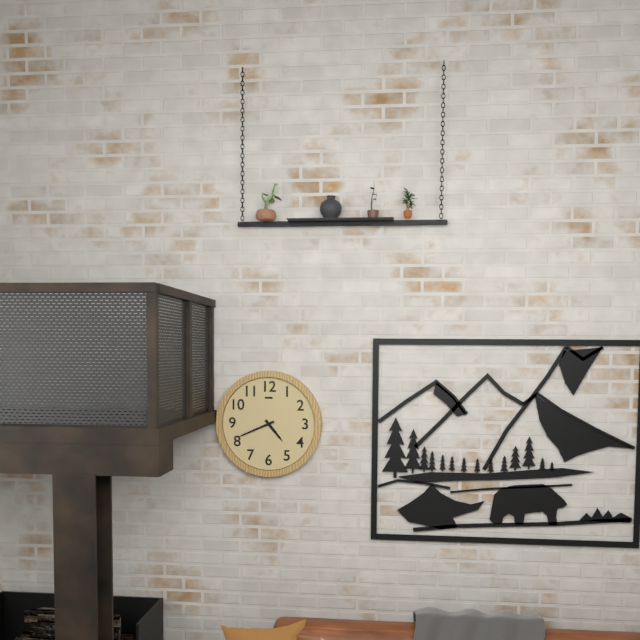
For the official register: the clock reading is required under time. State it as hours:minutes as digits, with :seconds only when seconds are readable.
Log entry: 4:41
